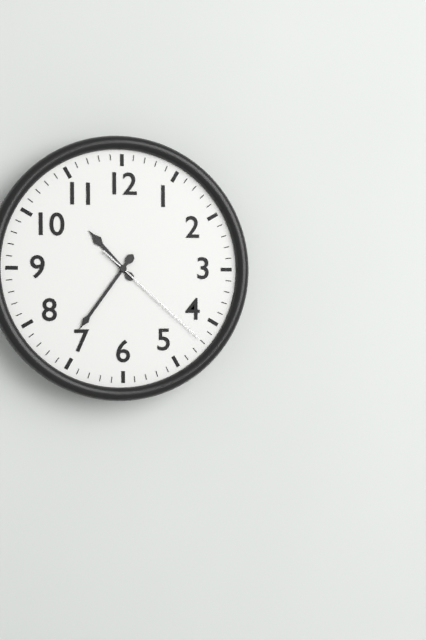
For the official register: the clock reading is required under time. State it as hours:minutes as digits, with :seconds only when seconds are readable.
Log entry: 10:36:22
